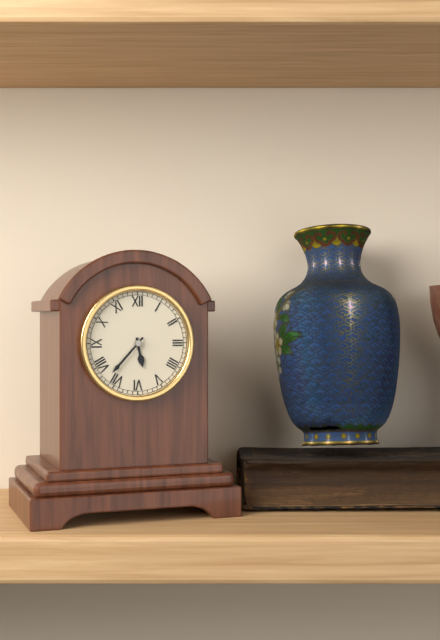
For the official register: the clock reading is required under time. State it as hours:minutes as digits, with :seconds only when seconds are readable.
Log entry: 5:37
